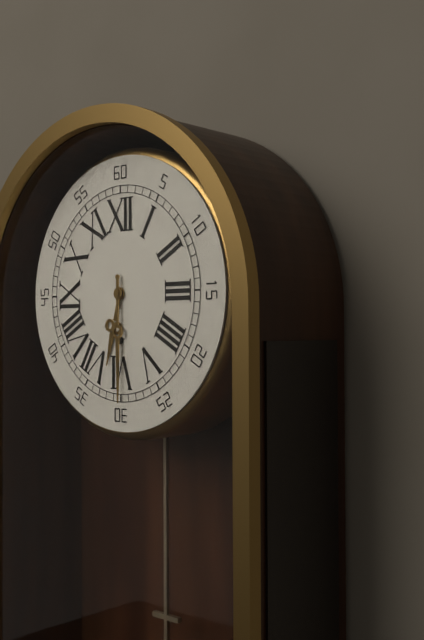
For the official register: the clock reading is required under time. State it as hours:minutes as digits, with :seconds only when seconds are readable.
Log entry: 6:30
